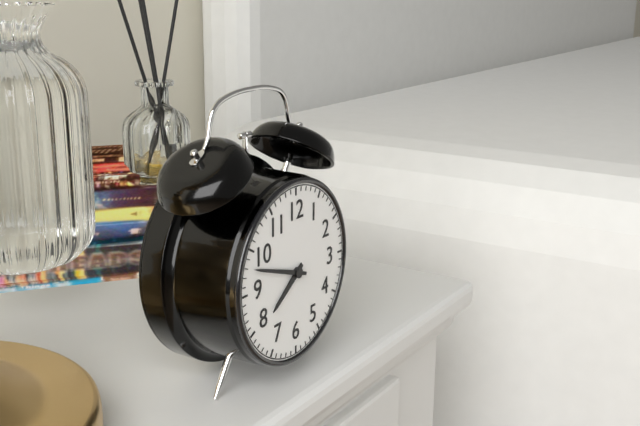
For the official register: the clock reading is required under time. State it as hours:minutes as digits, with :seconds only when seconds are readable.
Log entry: 7:48
